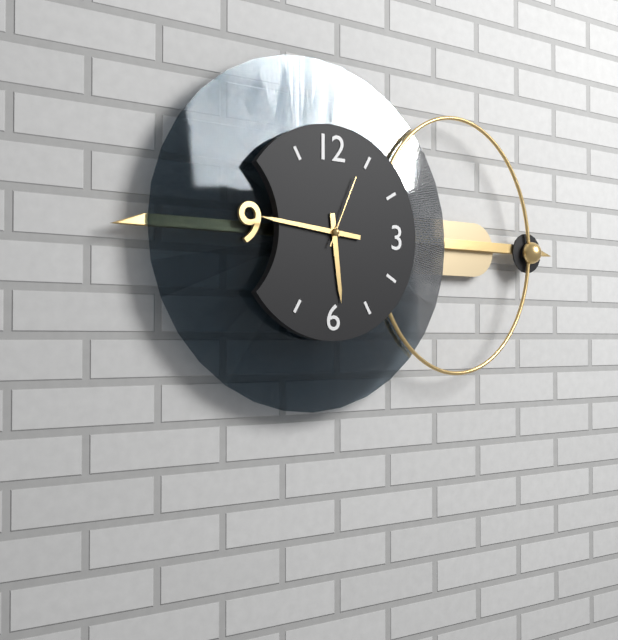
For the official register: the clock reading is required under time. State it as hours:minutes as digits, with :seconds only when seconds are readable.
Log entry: 5:46:04
